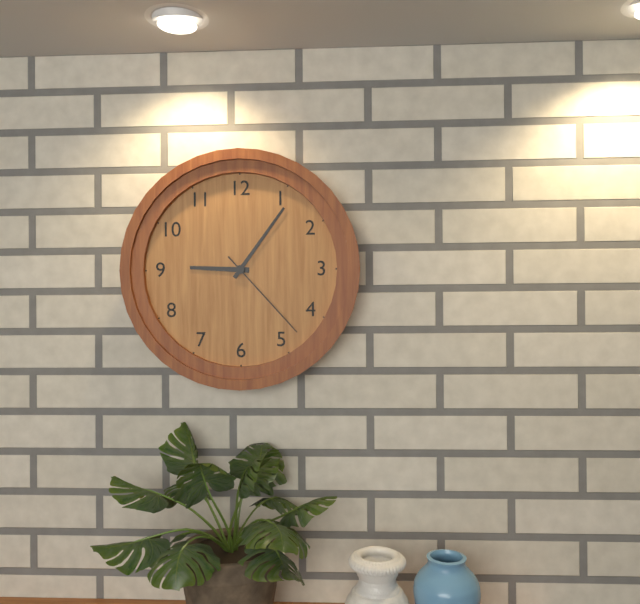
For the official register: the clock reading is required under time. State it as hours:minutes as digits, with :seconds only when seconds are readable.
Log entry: 9:06:23
